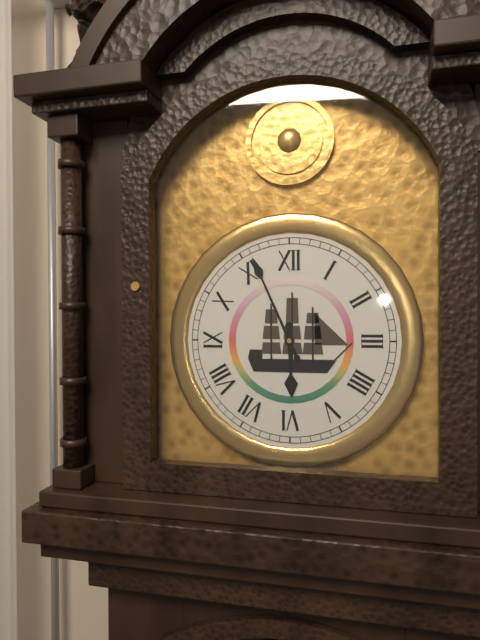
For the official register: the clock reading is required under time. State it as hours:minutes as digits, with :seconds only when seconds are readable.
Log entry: 5:56
